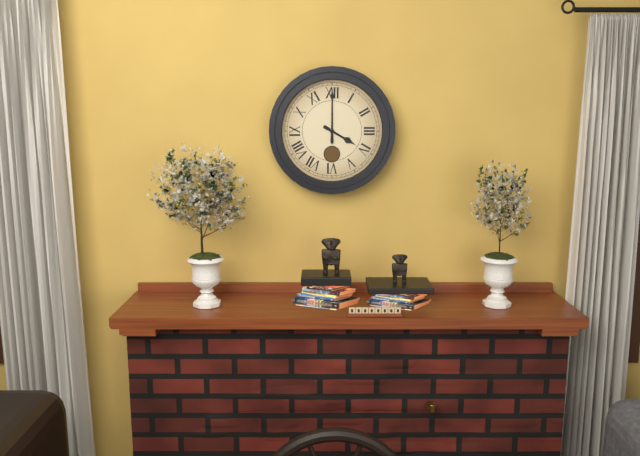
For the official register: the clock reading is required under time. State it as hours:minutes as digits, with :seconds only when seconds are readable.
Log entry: 4:00
